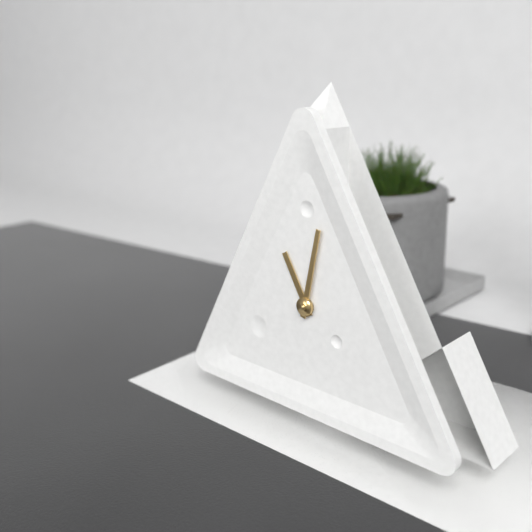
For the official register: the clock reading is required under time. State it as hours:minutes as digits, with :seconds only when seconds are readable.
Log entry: 11:02
